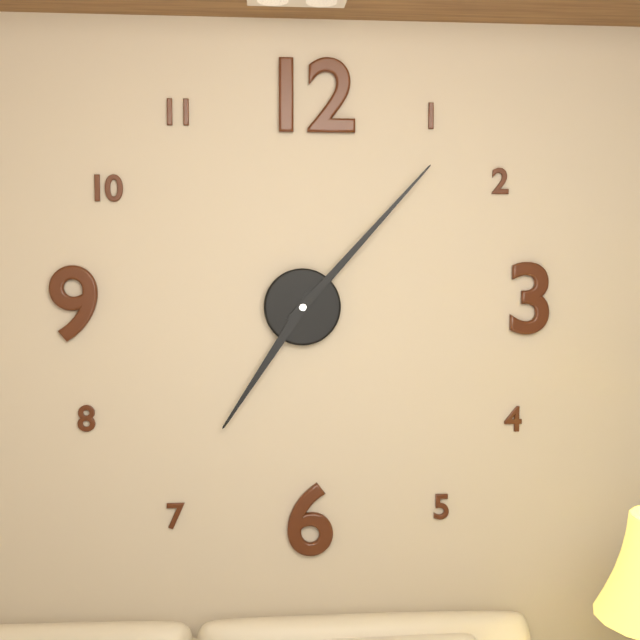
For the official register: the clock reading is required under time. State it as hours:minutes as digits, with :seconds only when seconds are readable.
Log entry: 7:07
